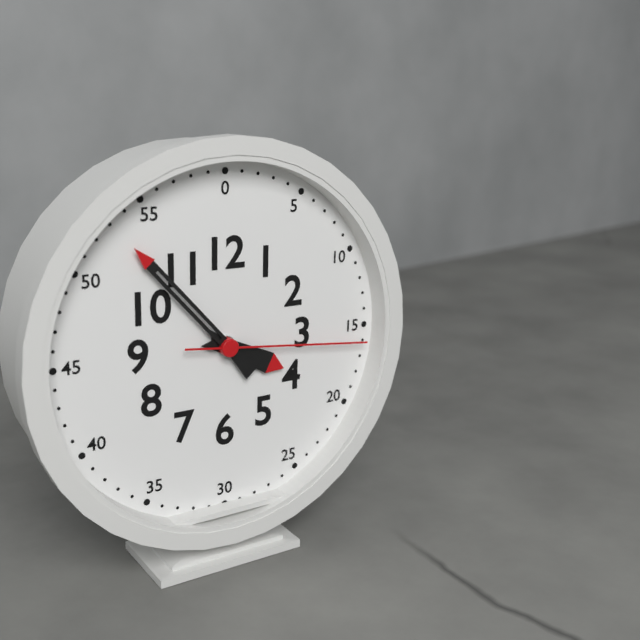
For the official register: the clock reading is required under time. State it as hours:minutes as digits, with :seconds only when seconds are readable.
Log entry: 3:53:16
